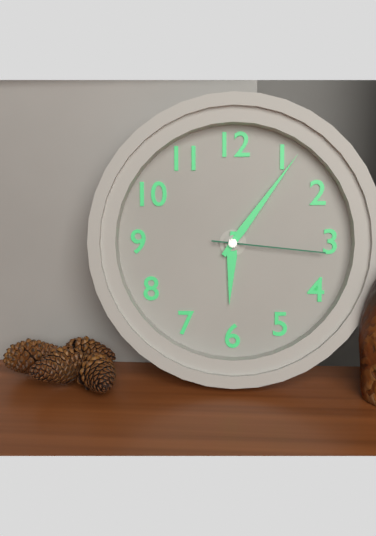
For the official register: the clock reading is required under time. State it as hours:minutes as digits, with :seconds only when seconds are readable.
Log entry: 6:06:16
